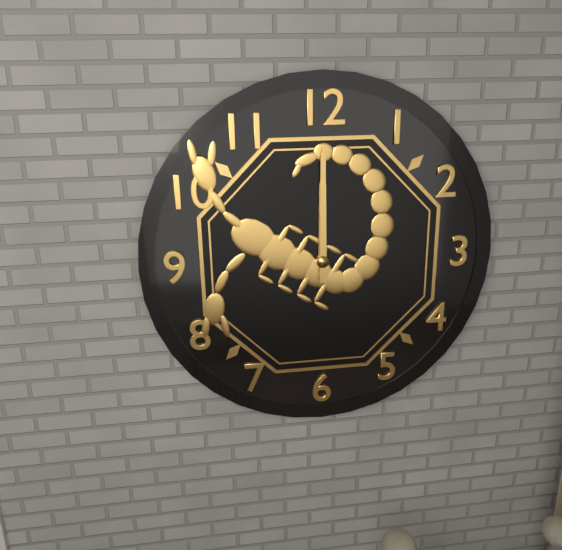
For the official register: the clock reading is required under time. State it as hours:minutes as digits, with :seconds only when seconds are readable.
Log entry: 12:00
